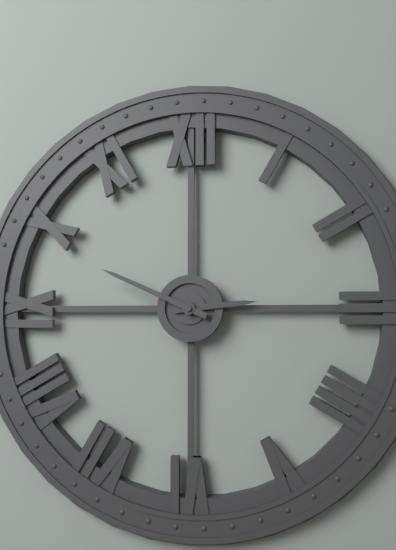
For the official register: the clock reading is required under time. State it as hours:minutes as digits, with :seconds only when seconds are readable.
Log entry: 2:49
